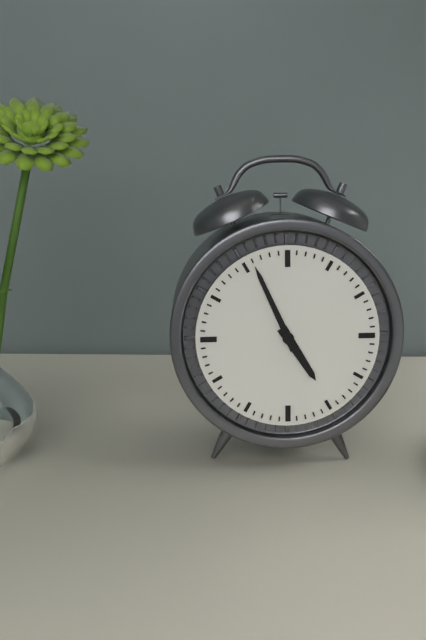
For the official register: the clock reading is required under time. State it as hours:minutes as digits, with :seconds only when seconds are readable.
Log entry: 4:56
